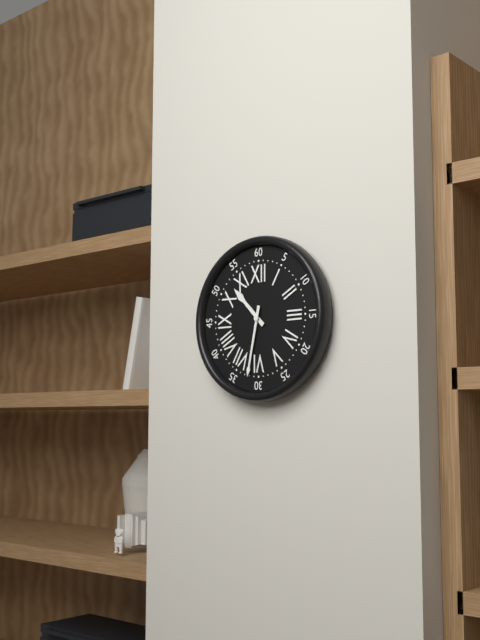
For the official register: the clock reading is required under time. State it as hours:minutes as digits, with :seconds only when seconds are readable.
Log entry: 10:32
